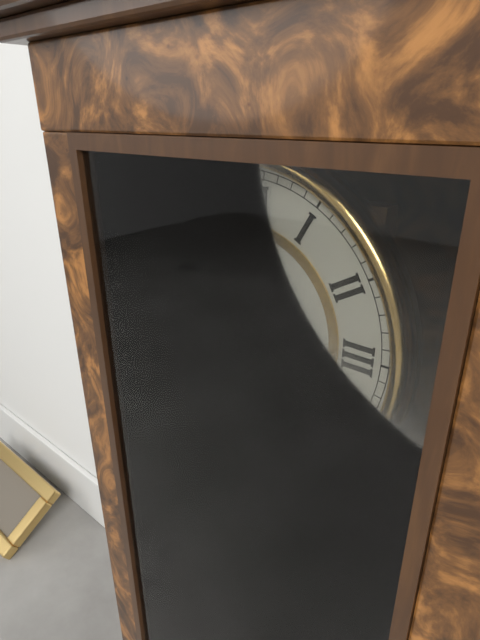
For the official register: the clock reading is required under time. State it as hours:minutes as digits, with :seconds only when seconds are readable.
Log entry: 2:51
